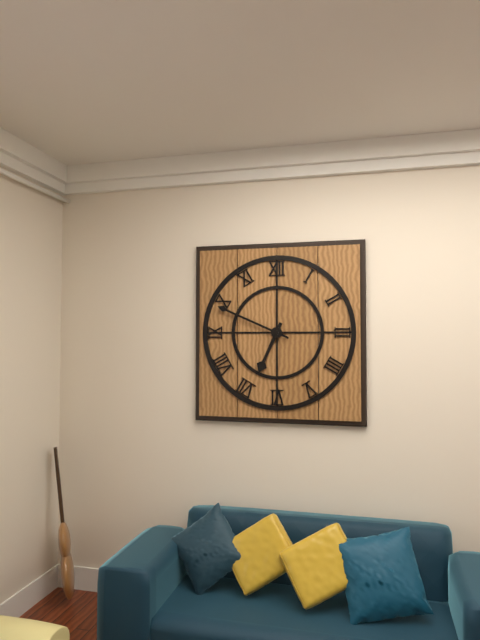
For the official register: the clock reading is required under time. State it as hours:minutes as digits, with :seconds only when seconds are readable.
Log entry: 6:49
